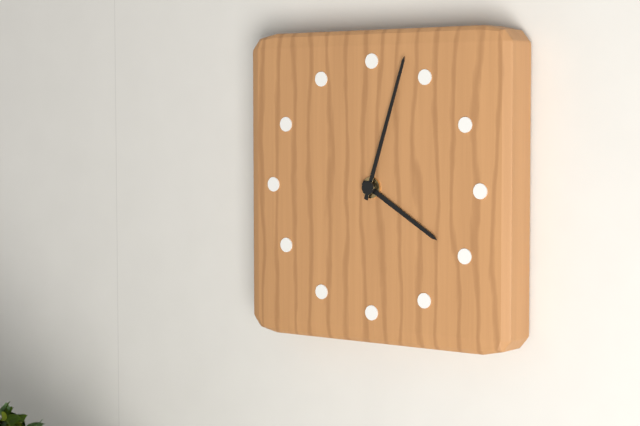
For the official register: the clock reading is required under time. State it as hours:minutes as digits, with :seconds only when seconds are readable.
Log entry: 4:03
